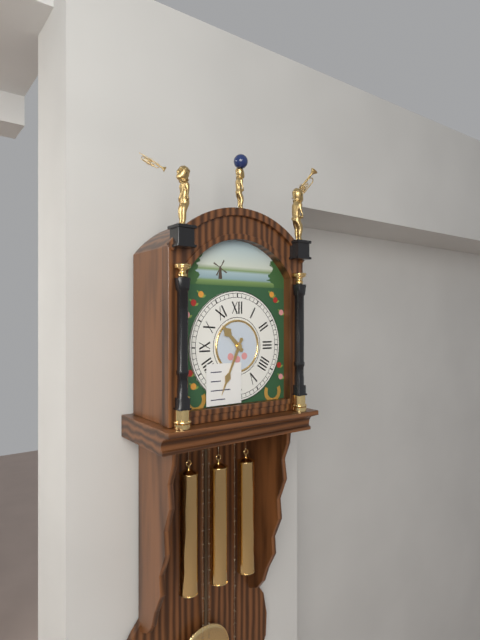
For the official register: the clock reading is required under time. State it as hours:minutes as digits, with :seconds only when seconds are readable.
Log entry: 10:34
